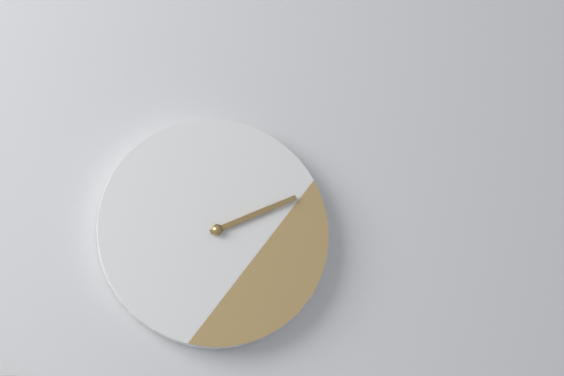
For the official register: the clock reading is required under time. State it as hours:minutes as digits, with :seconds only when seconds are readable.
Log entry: 2:11
